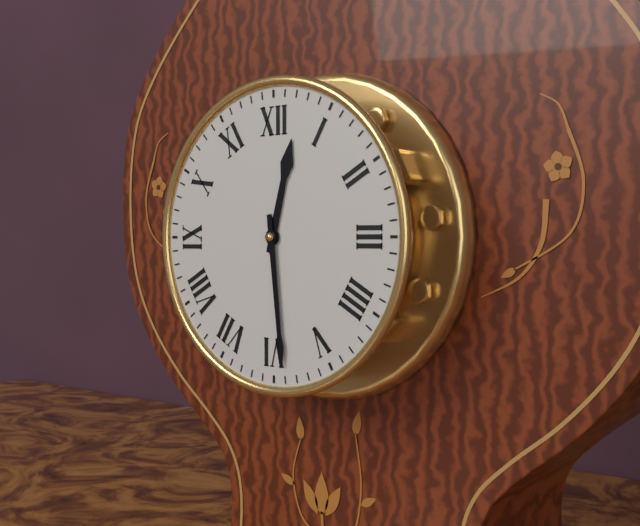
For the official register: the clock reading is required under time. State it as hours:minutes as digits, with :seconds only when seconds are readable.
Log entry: 12:29
